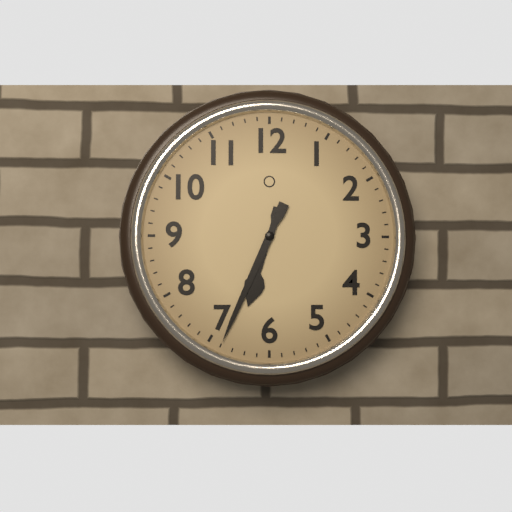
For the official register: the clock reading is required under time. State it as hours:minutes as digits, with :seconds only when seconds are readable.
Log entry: 6:34
